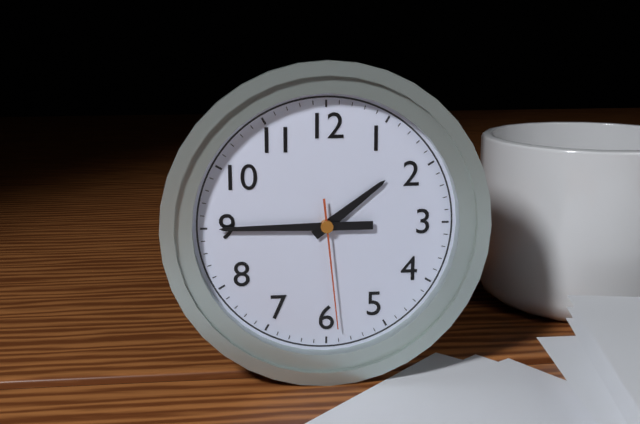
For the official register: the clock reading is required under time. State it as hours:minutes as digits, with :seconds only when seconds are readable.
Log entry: 1:45:29
